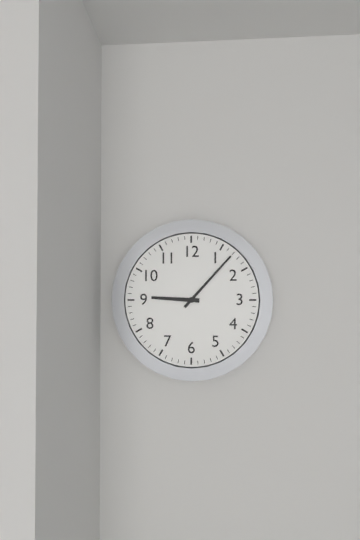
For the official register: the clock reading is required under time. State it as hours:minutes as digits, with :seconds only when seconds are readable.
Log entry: 9:07
